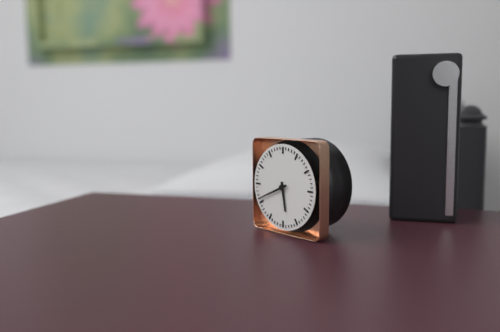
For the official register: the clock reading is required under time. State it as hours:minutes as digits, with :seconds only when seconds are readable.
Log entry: 5:41
